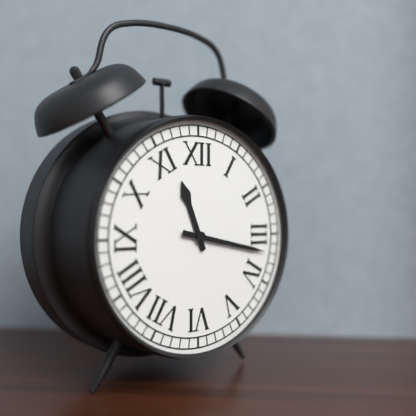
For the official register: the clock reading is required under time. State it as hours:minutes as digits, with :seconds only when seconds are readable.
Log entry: 11:17
